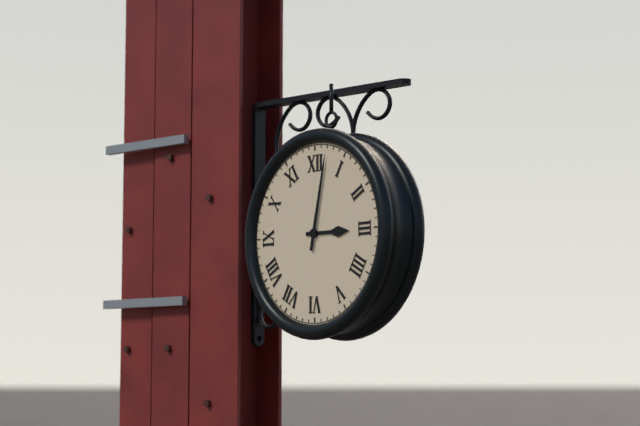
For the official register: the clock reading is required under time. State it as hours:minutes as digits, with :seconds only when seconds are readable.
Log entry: 3:02
